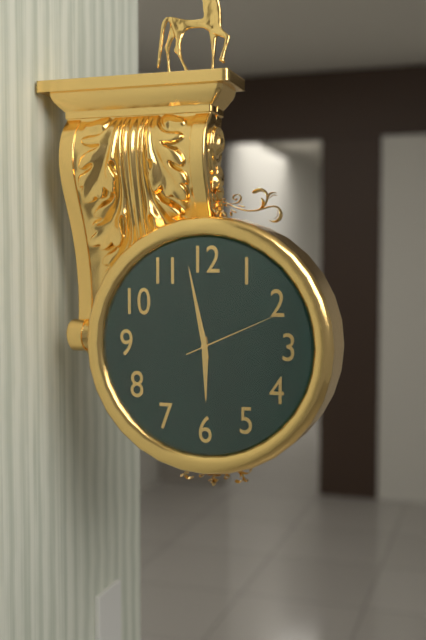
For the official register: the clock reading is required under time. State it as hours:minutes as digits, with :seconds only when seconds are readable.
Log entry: 5:58:11
